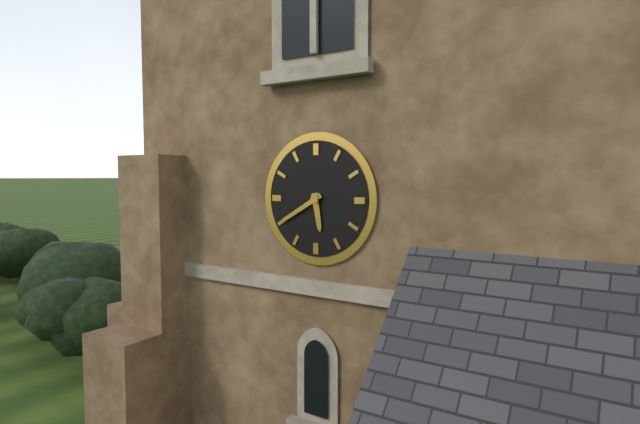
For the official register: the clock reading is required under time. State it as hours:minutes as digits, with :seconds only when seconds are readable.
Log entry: 5:40
